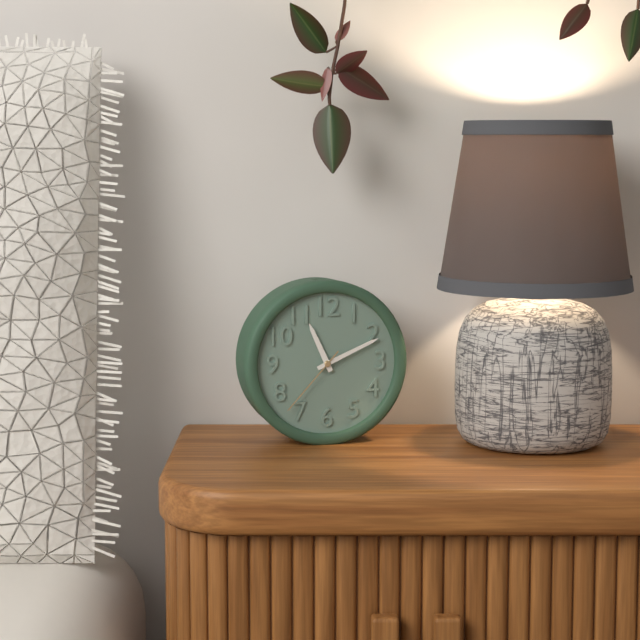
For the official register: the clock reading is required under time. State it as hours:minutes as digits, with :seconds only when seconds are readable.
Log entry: 11:11:37
